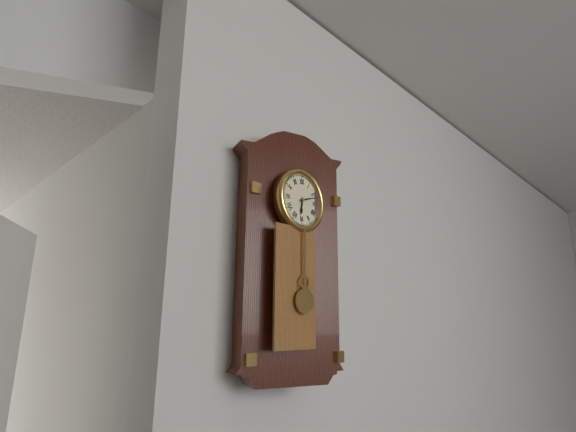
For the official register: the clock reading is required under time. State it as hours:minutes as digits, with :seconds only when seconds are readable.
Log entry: 6:12
